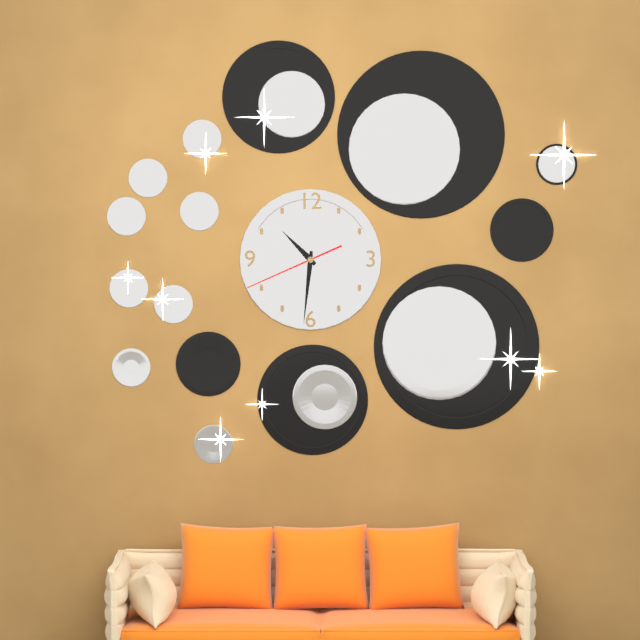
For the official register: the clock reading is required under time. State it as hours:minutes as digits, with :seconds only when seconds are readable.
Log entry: 10:31:41
